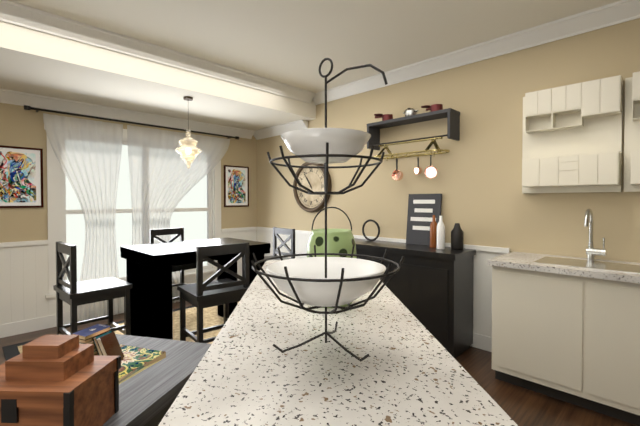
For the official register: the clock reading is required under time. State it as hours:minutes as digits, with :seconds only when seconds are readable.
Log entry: 10:54
